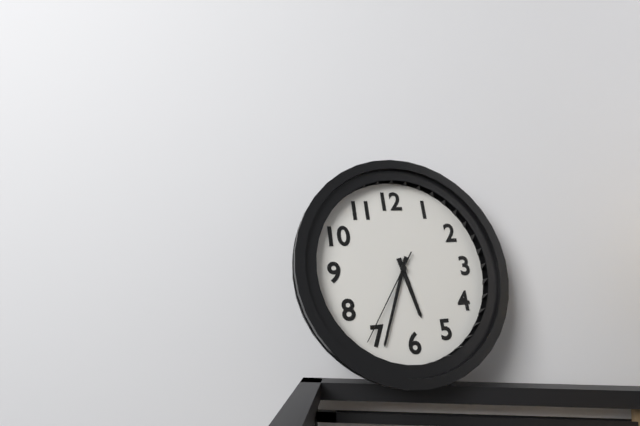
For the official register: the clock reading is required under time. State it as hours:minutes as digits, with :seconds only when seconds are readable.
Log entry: 5:34:36
